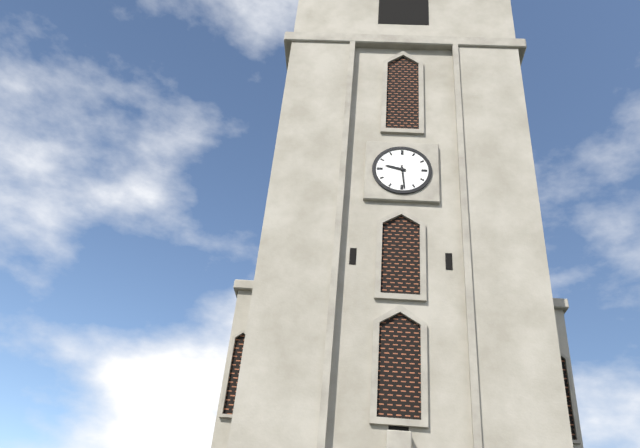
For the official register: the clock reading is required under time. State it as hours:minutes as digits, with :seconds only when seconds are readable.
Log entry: 9:29
